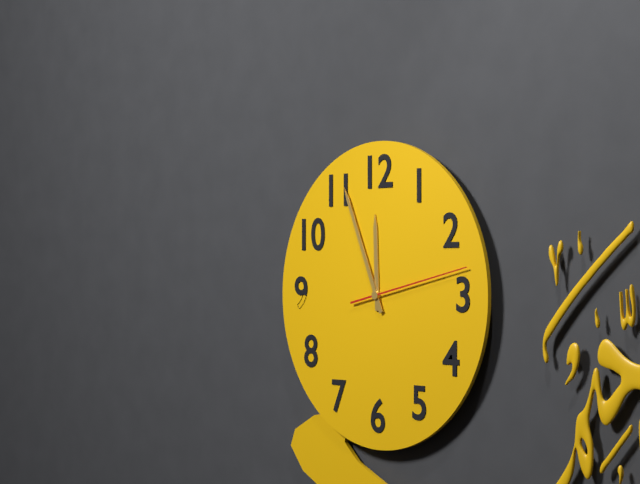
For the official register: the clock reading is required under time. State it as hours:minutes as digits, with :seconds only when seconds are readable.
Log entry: 11:56:13
